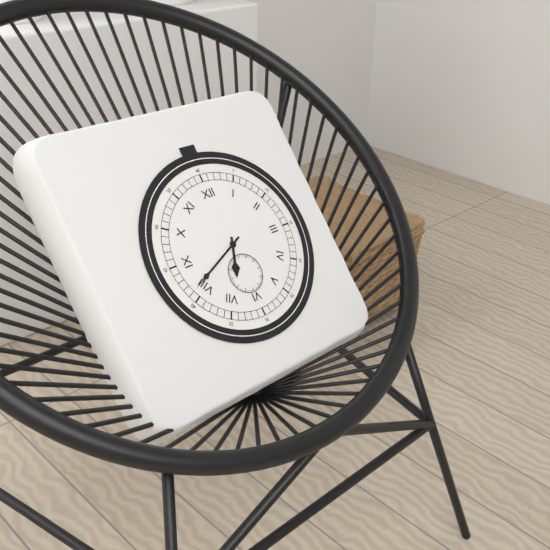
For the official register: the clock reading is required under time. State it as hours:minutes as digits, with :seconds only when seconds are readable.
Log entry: 6:41
